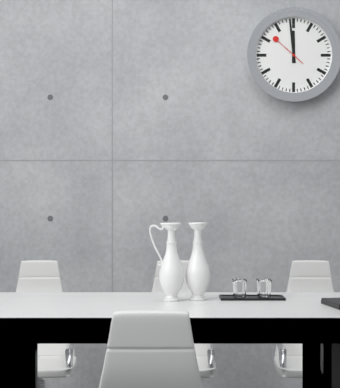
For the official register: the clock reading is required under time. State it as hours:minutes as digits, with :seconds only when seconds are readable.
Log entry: 11:59
